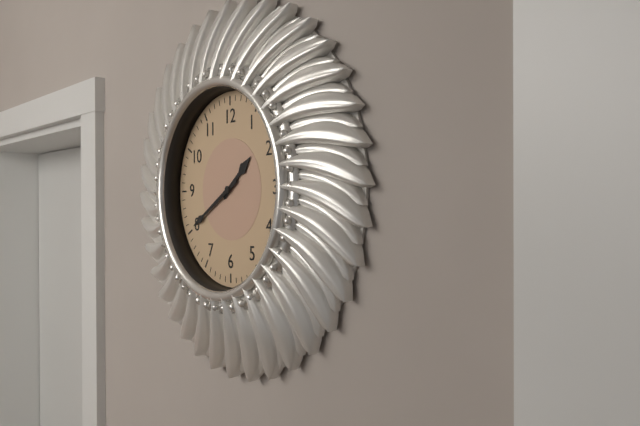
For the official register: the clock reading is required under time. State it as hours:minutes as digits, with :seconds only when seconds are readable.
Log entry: 1:40
